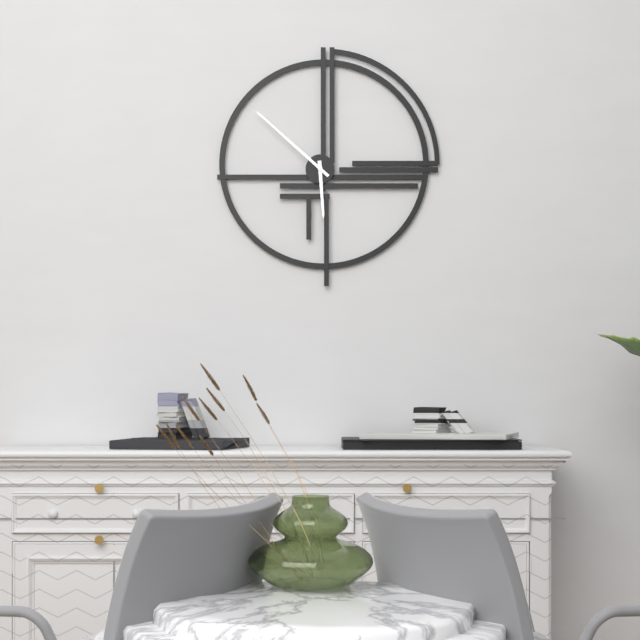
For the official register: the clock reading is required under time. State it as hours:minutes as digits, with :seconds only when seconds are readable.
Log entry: 5:52
